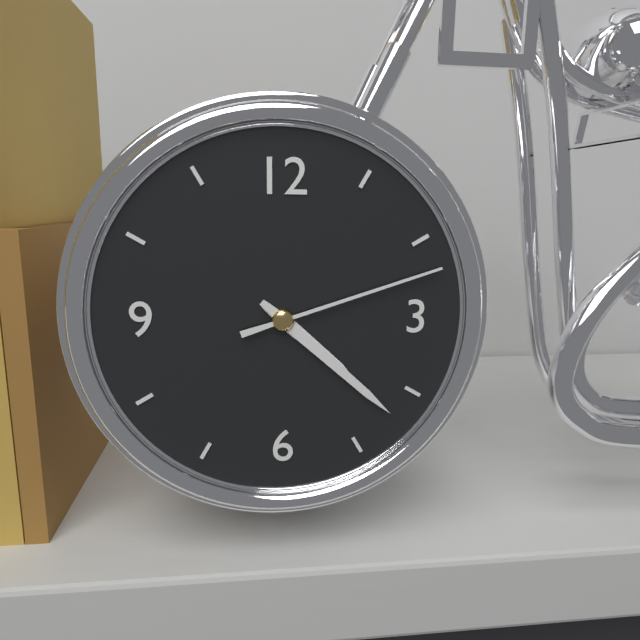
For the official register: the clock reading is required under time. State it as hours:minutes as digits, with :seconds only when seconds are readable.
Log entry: 4:22:12
